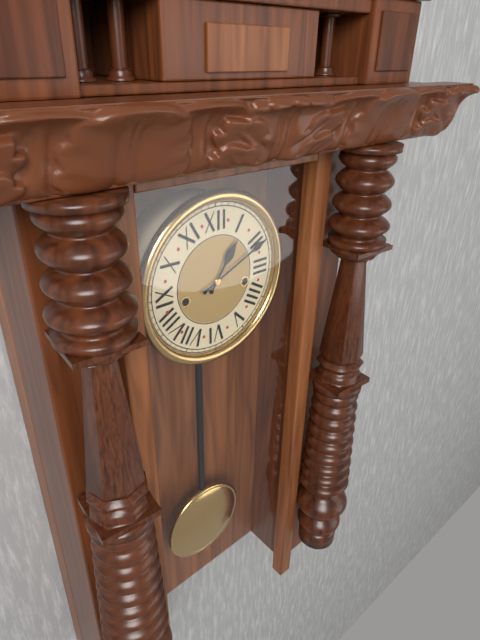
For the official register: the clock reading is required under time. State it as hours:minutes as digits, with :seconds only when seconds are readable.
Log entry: 1:11
